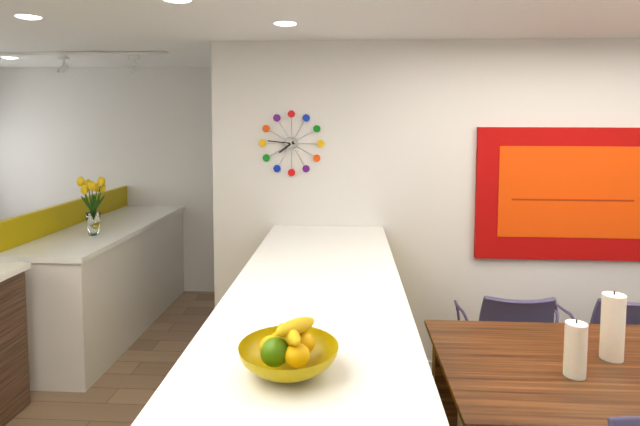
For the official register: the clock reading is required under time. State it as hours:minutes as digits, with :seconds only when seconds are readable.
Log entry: 7:46
